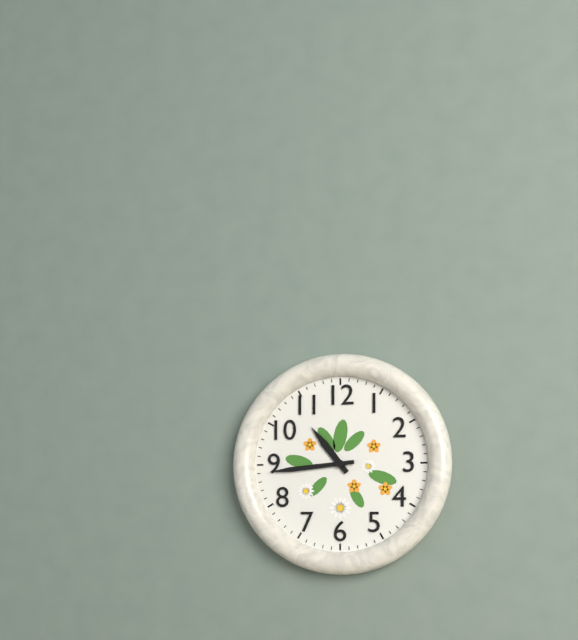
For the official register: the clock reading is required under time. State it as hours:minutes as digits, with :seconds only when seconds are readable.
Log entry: 10:44
